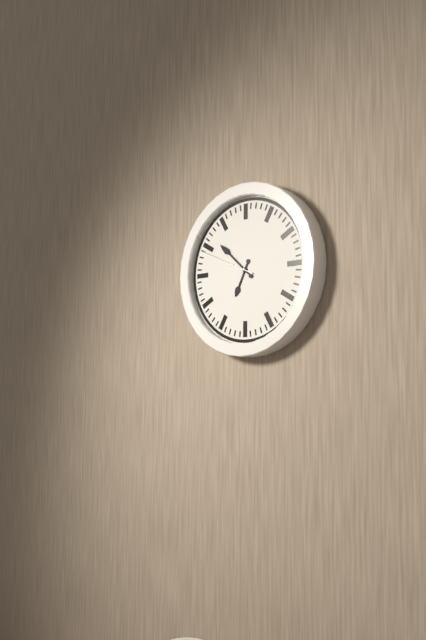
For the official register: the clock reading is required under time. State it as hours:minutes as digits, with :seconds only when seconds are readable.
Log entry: 6:52:49
